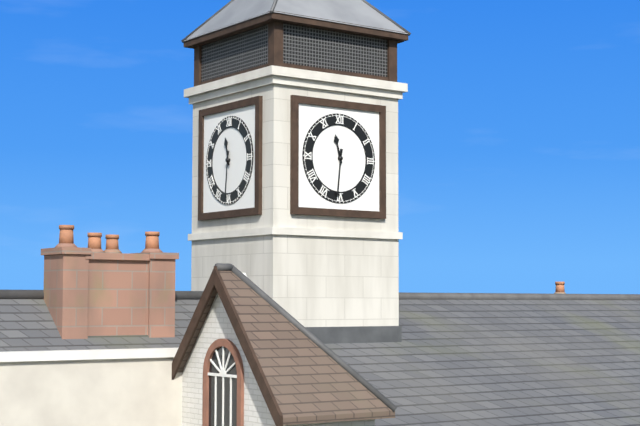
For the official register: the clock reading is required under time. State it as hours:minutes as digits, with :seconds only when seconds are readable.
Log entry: 11:31
